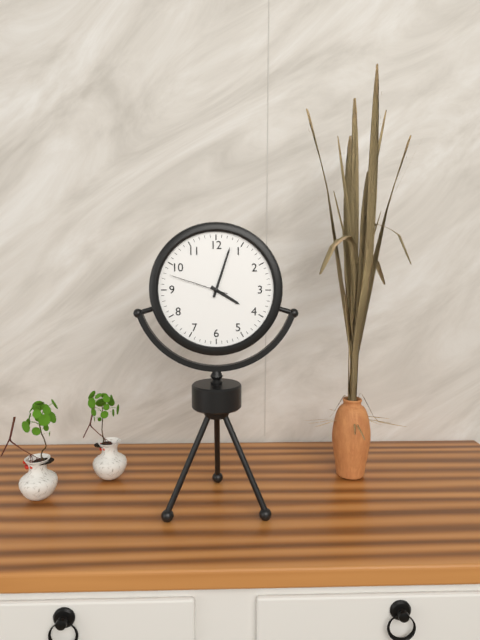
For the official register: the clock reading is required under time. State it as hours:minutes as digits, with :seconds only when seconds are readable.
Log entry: 4:03:48
